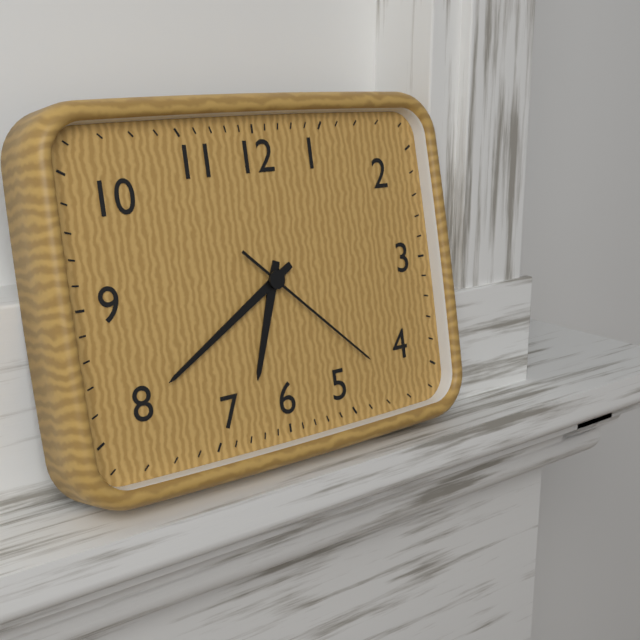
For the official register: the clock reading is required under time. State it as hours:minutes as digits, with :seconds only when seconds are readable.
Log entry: 6:40:22
